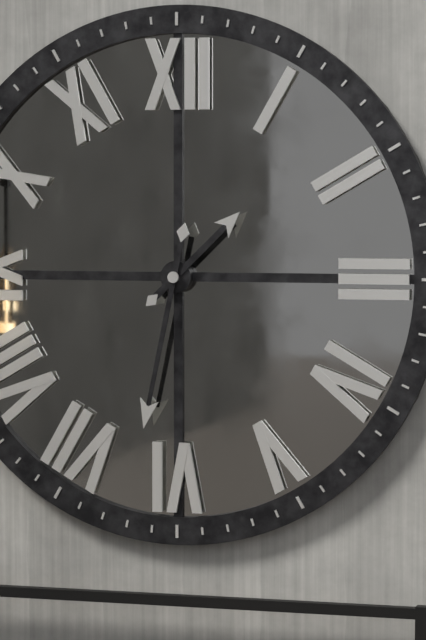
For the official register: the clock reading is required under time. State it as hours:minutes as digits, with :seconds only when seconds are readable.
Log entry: 1:32
